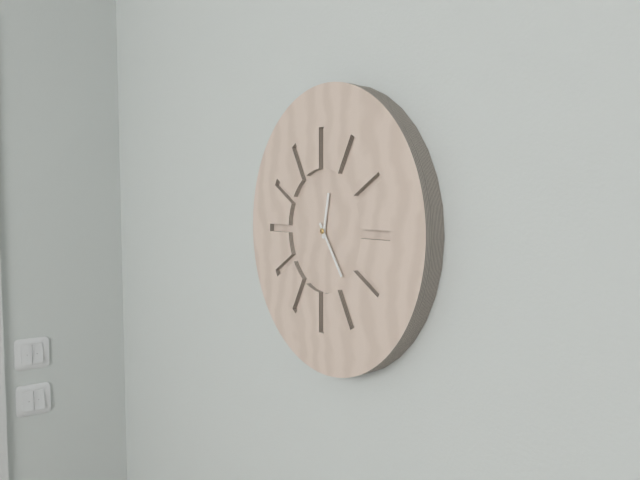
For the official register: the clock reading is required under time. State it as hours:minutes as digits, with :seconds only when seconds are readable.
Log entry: 12:24
